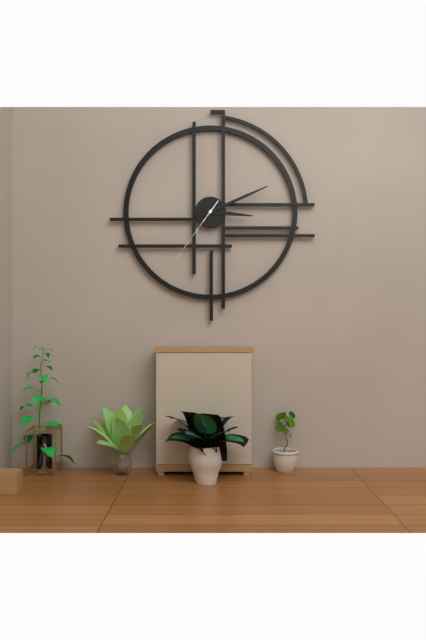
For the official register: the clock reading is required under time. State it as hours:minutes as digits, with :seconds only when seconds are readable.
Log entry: 3:11:36
